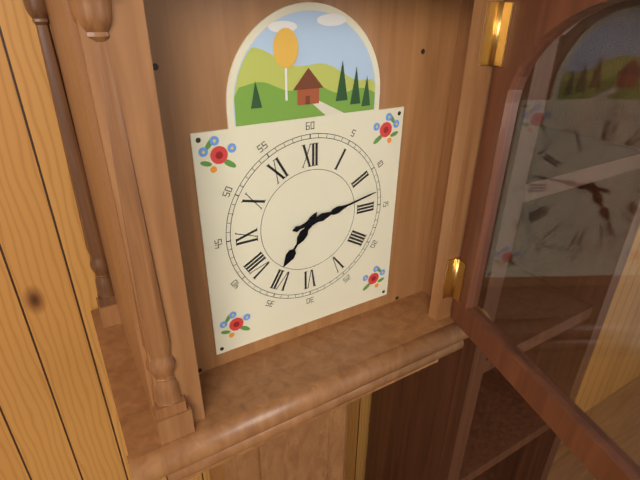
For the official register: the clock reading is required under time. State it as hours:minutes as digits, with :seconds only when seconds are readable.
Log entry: 7:13
